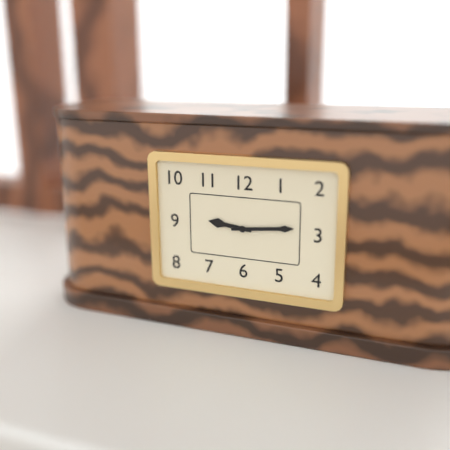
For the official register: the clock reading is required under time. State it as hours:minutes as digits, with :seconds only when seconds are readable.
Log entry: 9:14
